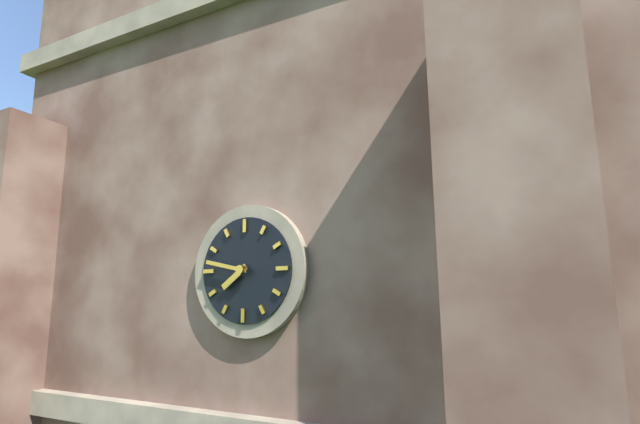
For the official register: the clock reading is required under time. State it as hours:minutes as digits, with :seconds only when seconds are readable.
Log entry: 7:47
